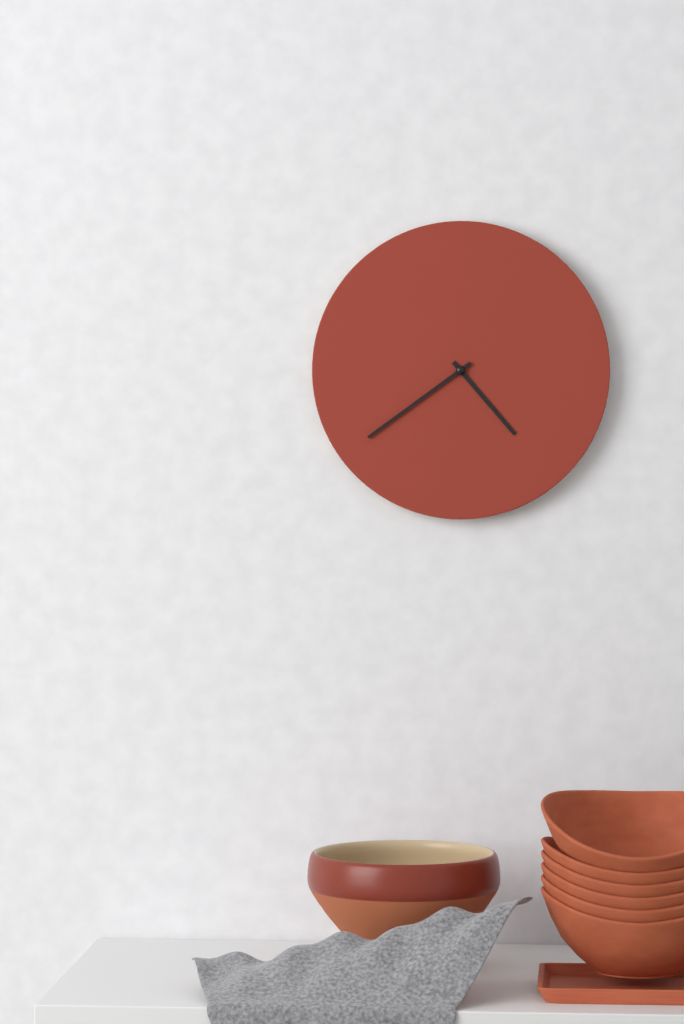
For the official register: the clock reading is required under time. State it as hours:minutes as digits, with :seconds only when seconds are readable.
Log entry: 4:39
